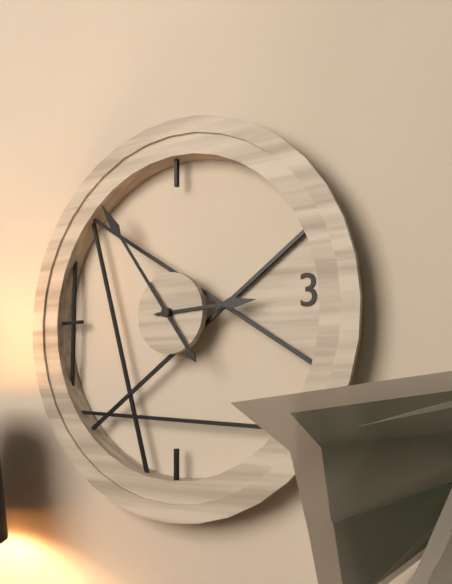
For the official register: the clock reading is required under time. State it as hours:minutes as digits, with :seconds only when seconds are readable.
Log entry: 2:54
